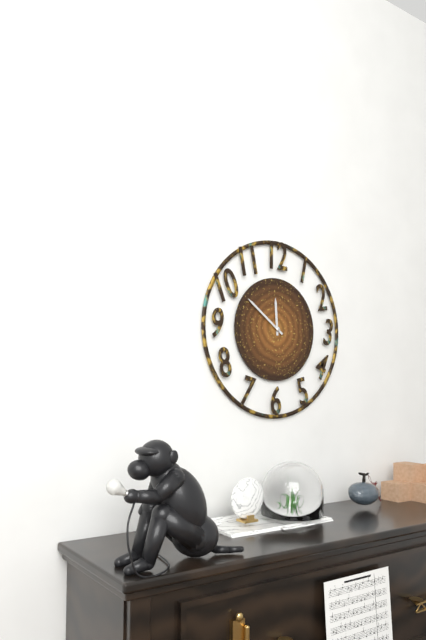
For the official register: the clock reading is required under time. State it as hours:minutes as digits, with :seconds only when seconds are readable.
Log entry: 11:51
